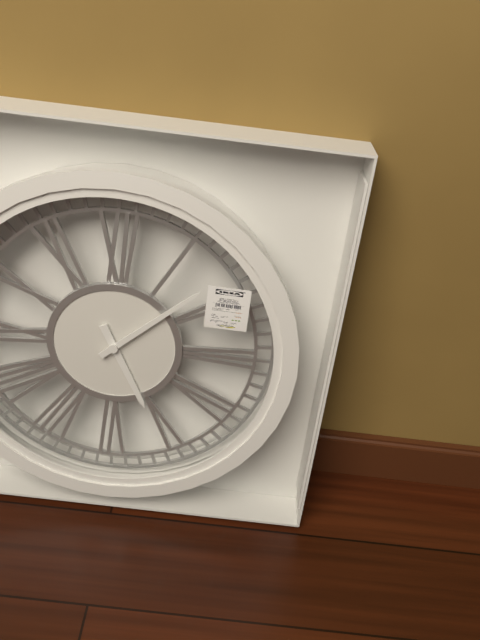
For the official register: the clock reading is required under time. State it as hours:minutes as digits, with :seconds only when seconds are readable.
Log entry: 5:08
